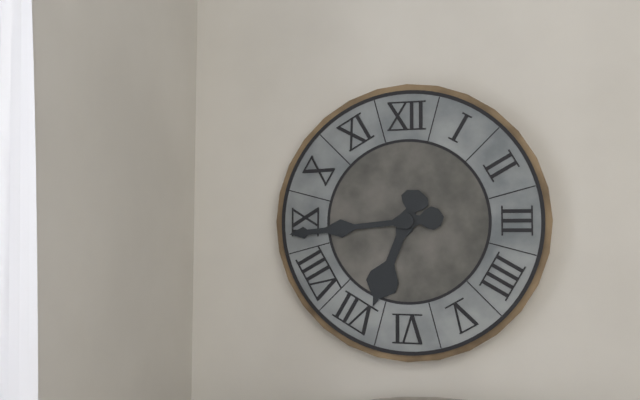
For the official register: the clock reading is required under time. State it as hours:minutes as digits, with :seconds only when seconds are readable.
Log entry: 6:44
